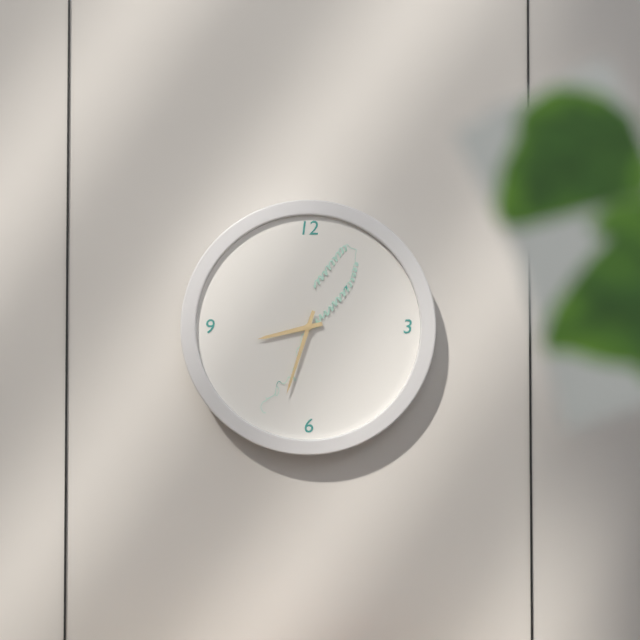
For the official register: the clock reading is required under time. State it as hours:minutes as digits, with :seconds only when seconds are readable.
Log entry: 8:33
